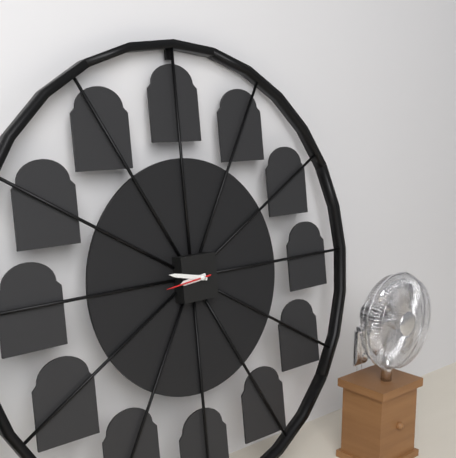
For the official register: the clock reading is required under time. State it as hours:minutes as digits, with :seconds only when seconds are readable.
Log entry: 8:47
